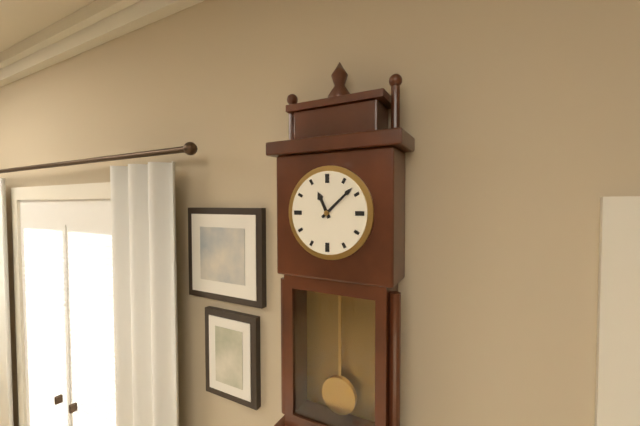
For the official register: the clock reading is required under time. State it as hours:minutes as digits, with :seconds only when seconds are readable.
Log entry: 11:08
